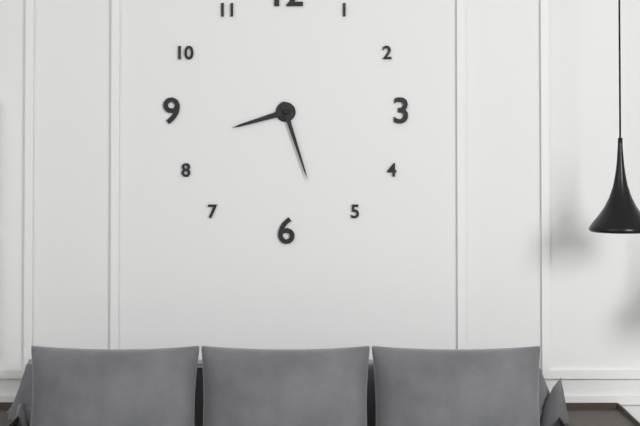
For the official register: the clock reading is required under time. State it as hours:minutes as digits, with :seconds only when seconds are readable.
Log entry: 8:27
